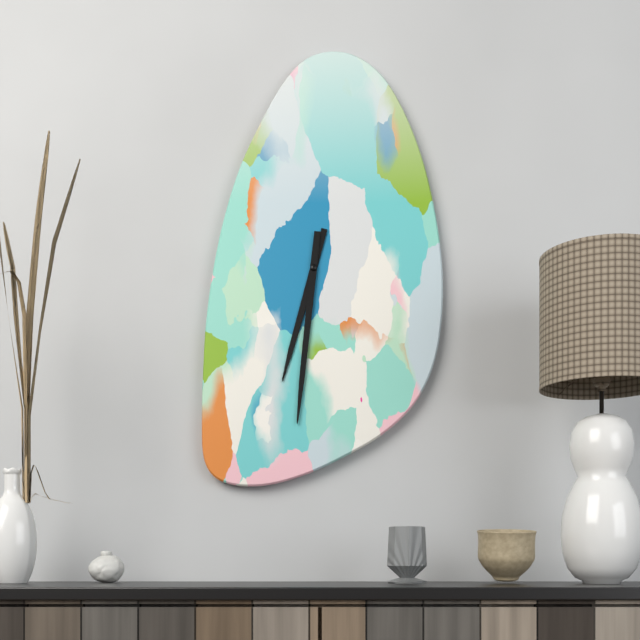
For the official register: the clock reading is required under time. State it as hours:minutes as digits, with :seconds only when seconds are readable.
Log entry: 6:31
